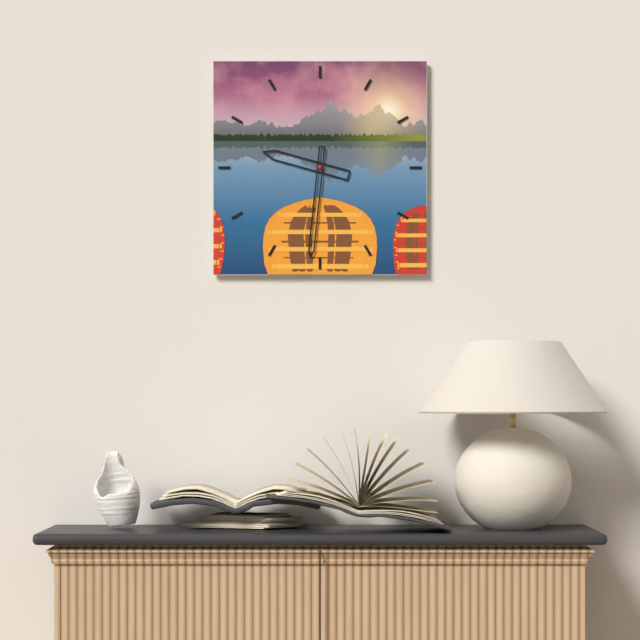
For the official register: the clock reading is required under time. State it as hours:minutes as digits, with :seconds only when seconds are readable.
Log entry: 9:31
